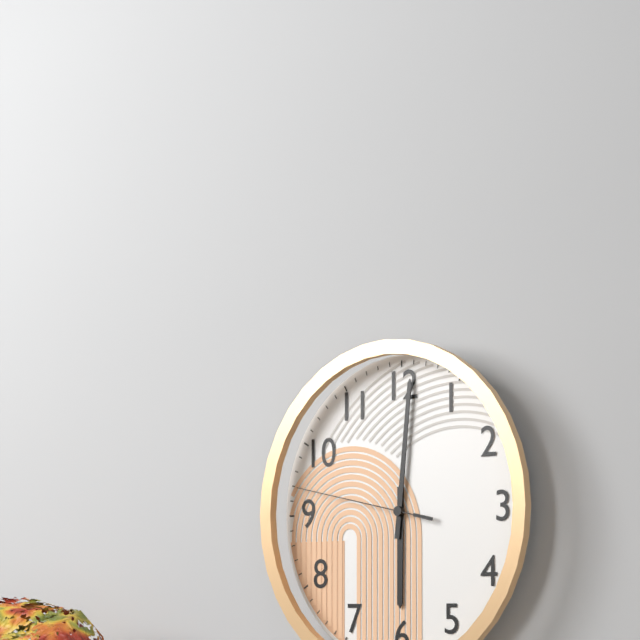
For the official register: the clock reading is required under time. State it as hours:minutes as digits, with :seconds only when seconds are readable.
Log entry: 6:01:47
